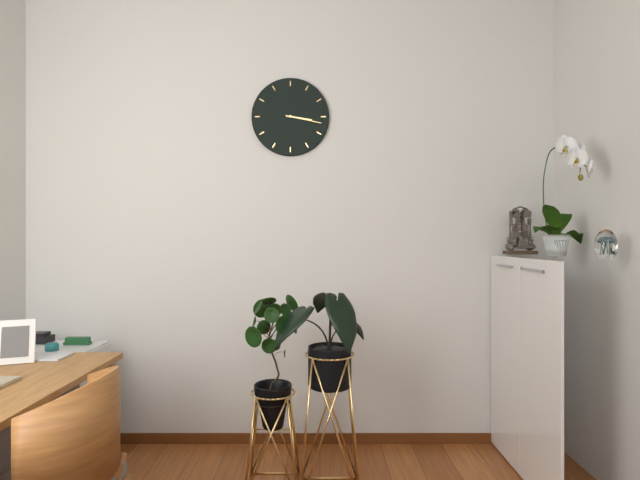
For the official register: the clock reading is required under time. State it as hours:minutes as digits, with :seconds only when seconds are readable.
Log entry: 3:17
